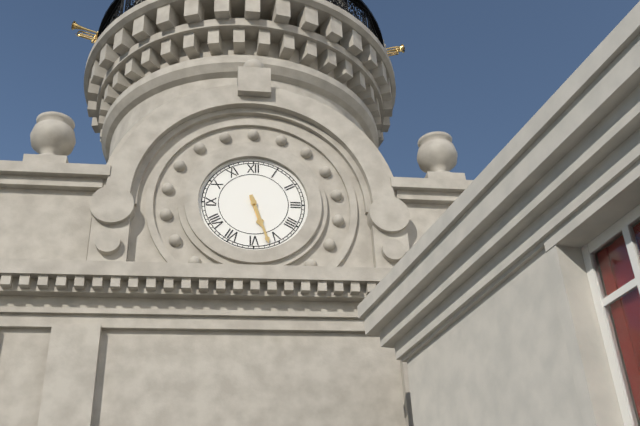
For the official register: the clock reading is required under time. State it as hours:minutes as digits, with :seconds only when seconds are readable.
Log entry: 5:27
